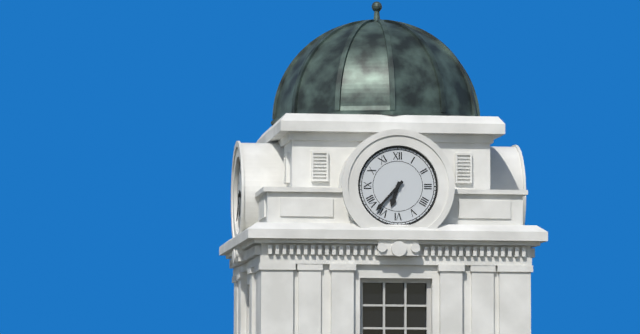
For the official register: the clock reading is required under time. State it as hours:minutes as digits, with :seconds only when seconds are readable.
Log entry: 6:37
